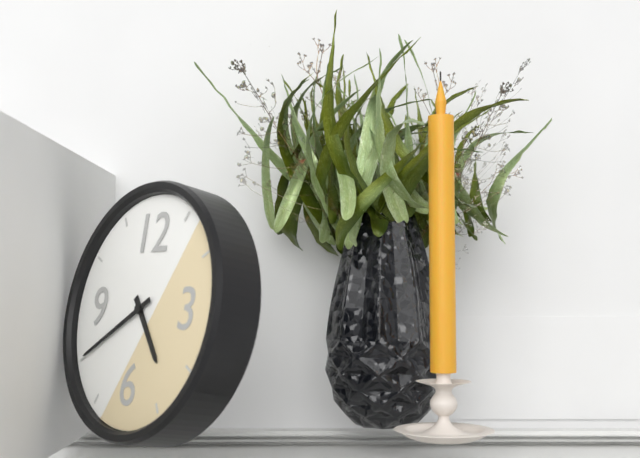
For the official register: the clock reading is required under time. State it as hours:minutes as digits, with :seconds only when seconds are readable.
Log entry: 4:40
